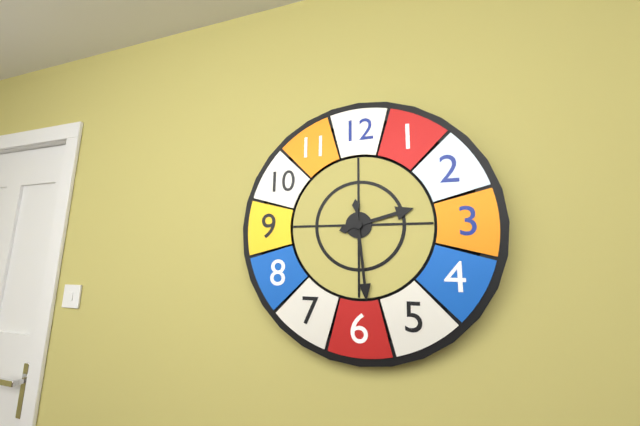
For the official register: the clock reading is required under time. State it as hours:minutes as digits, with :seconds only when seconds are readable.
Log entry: 2:29
